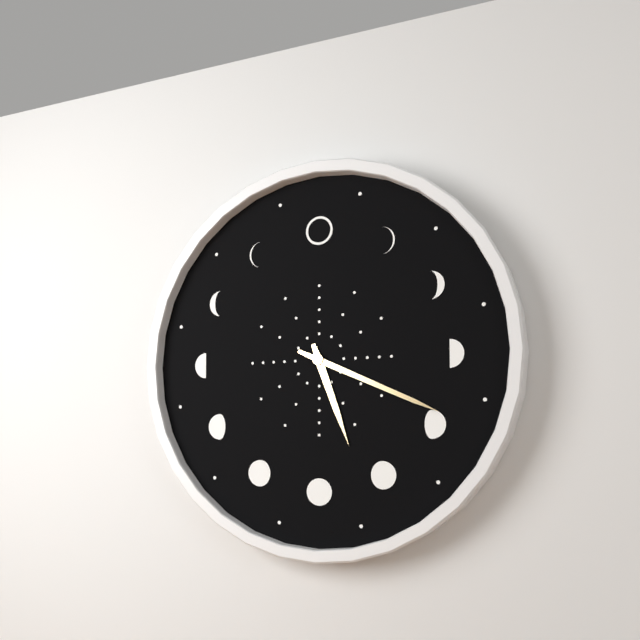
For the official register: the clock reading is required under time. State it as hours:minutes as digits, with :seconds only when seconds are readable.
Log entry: 5:19
